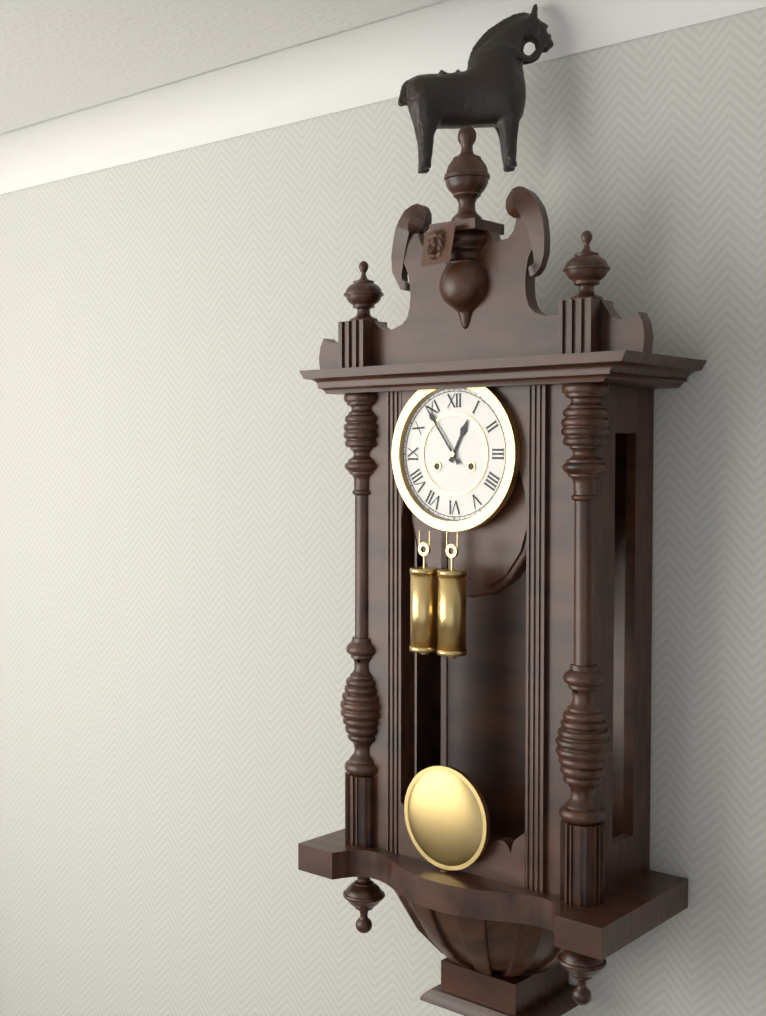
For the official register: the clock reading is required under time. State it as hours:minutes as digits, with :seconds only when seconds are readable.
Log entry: 12:54
